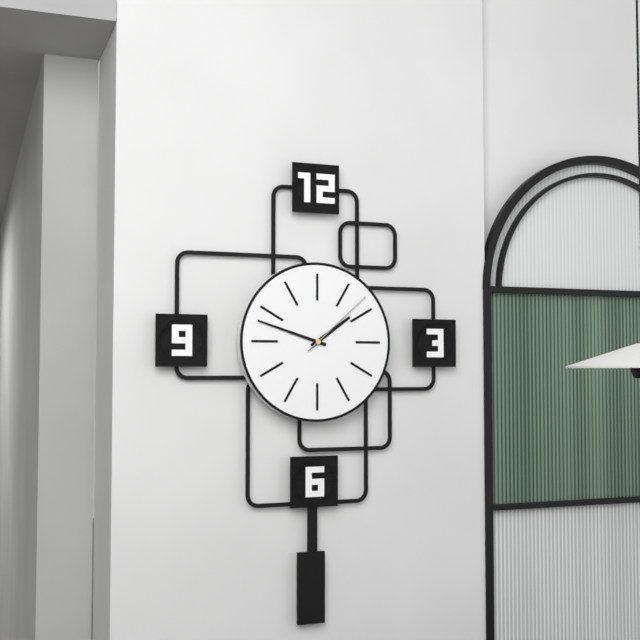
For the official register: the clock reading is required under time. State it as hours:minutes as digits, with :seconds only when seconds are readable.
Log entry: 1:48:08
